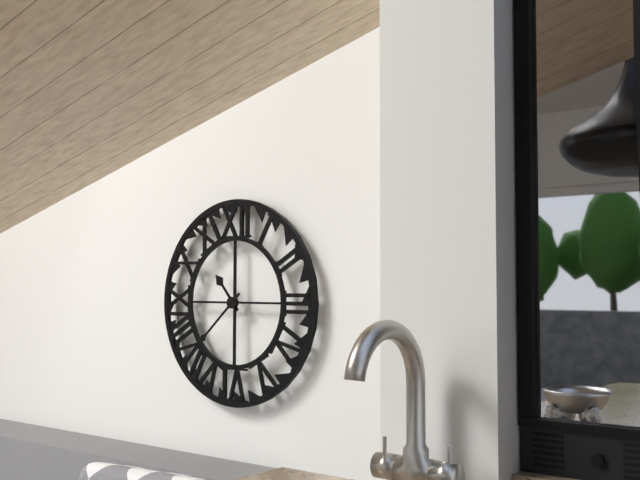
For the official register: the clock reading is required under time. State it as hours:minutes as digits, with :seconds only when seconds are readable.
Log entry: 10:38
